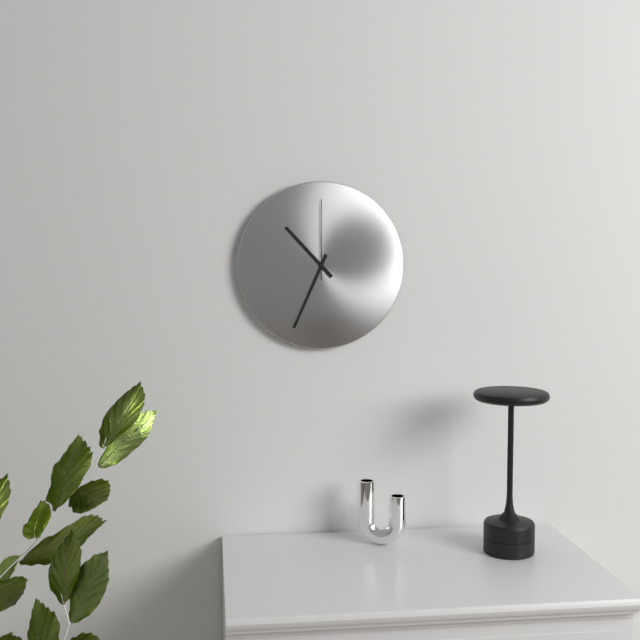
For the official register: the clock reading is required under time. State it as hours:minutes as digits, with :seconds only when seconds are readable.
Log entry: 10:34:00
